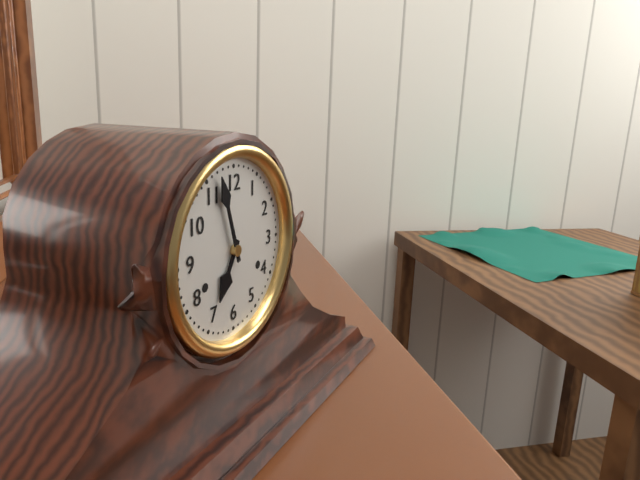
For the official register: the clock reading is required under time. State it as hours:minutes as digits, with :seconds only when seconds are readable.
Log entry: 6:57
